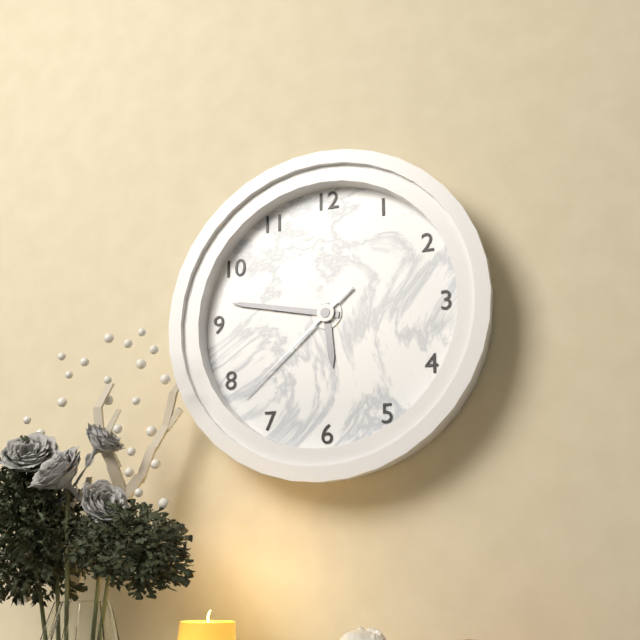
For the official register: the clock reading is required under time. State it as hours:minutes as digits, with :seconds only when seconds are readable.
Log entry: 5:47:38
